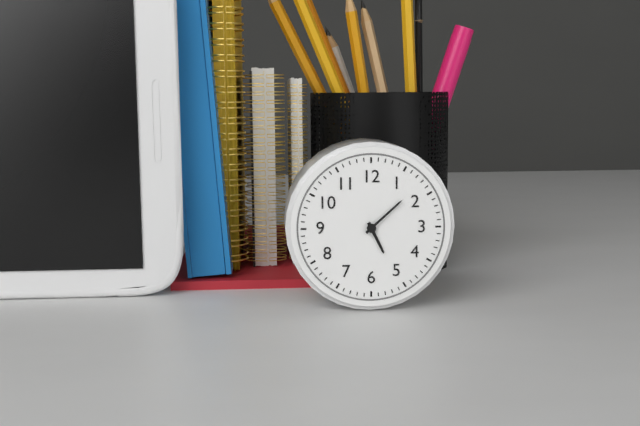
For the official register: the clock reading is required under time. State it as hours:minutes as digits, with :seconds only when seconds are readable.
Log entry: 5:08
